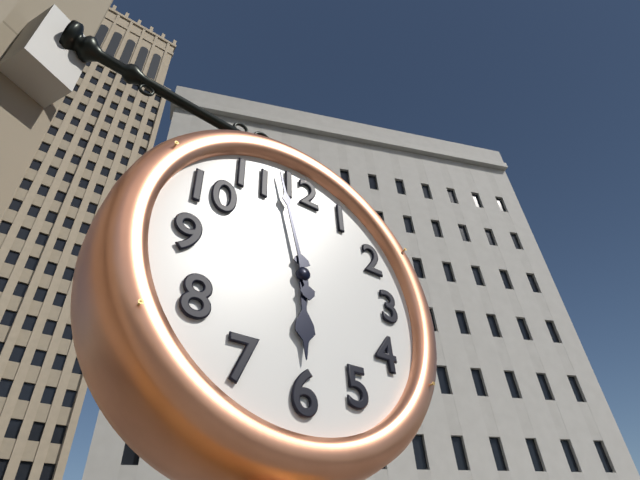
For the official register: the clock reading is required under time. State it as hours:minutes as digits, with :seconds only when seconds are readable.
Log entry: 5:58
